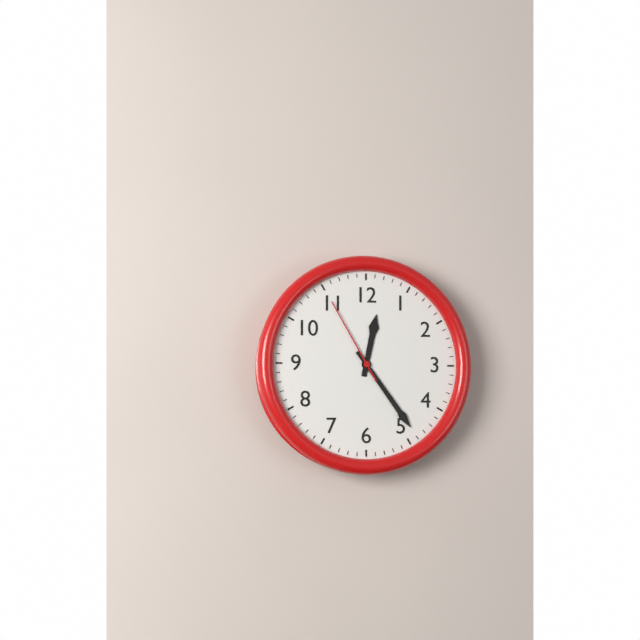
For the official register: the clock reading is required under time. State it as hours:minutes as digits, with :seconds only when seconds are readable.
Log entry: 12:24:55
